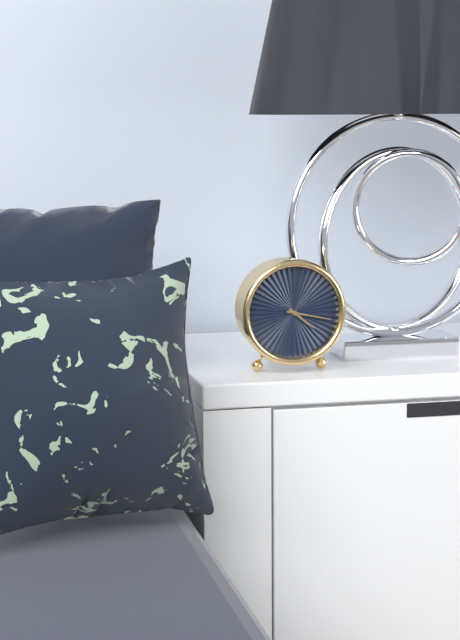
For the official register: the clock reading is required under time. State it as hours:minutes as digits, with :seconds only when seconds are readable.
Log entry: 4:17
